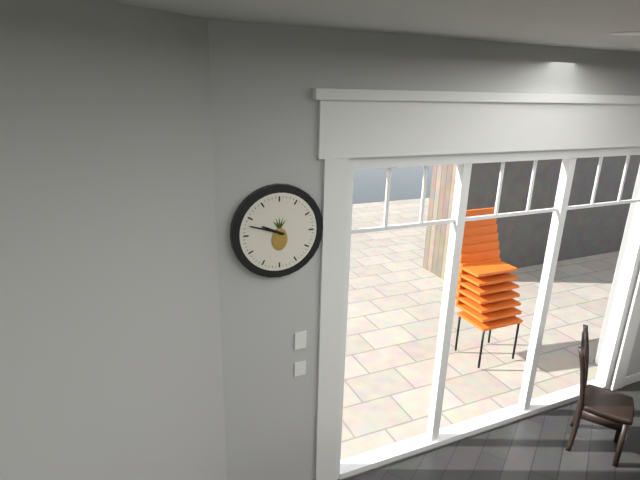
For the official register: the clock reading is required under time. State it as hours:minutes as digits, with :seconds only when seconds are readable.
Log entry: 9:48
